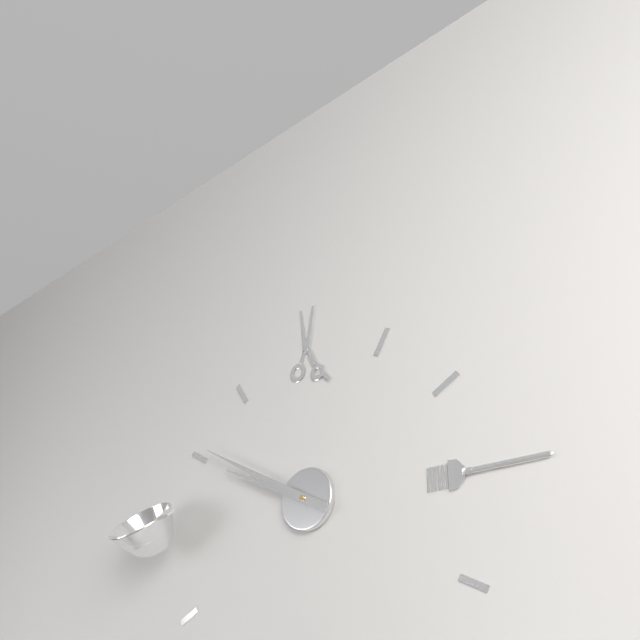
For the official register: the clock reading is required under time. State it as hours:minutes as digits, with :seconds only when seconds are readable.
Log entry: 9:50
